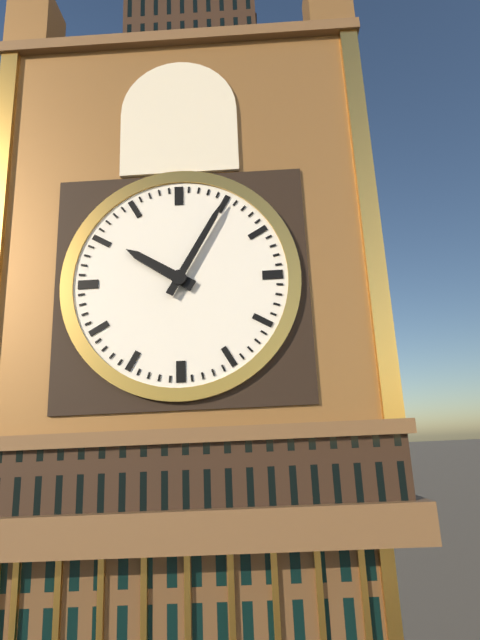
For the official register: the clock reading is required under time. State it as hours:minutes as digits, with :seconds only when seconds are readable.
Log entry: 10:05
